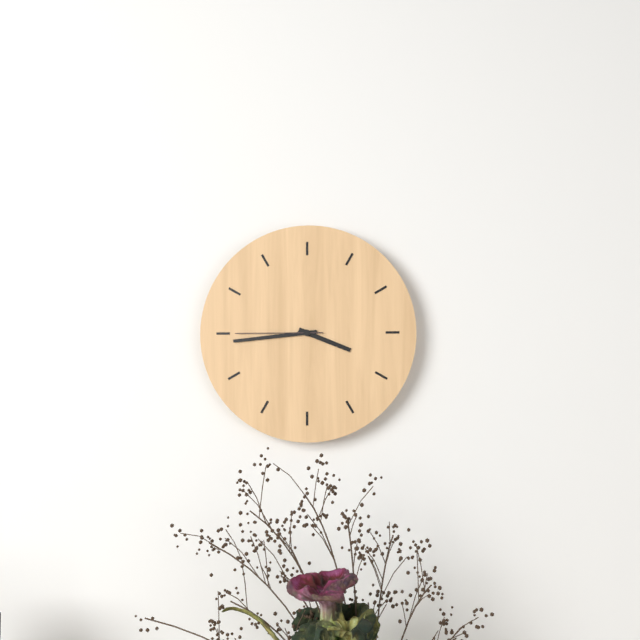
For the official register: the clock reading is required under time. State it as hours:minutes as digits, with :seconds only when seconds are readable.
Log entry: 3:44:45
